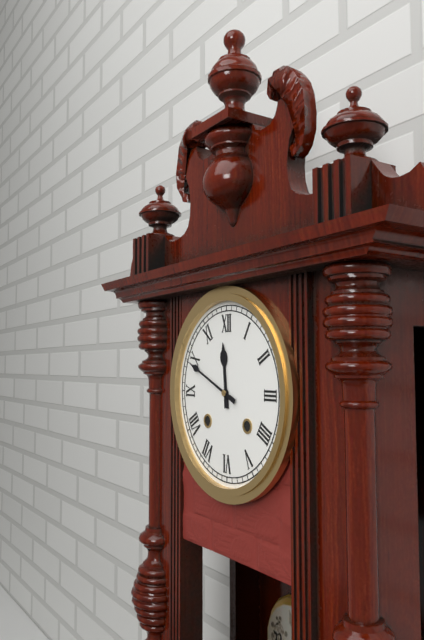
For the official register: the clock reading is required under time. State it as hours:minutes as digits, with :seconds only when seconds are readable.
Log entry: 11:49
